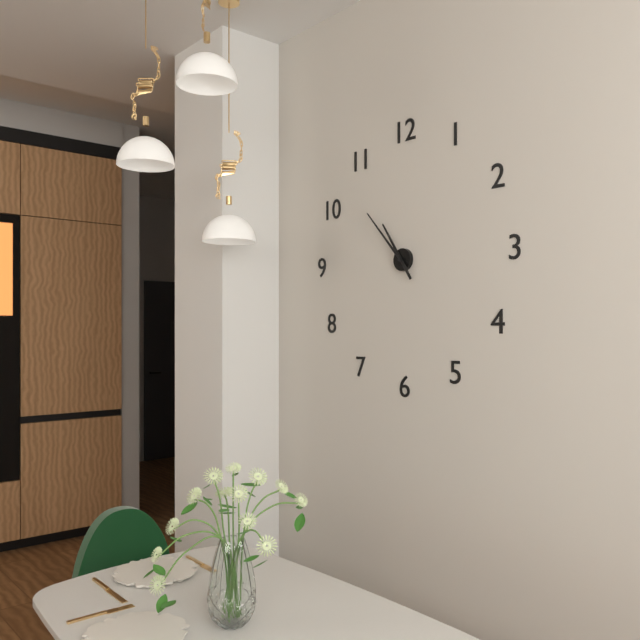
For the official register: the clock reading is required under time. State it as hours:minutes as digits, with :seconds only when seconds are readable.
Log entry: 10:53
